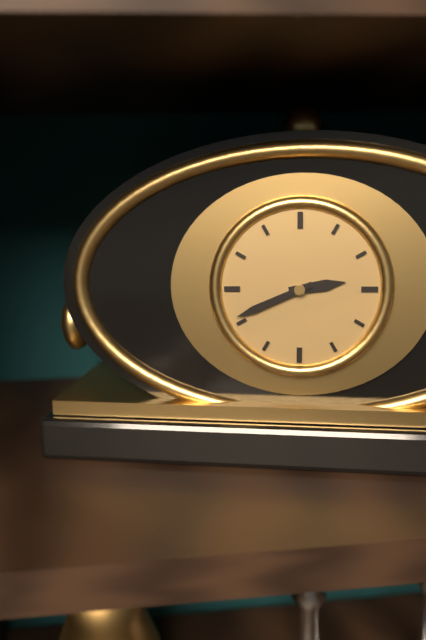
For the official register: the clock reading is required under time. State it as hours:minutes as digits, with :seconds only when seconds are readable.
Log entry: 2:41
